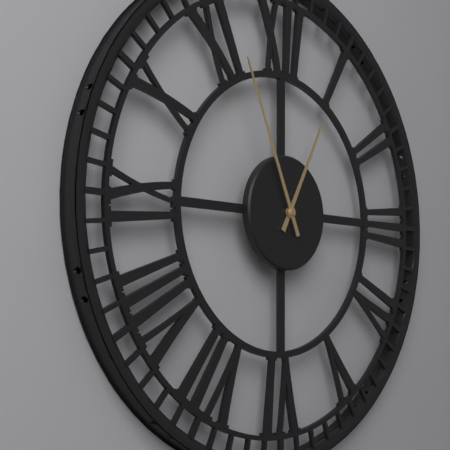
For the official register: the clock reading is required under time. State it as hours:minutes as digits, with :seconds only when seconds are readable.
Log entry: 12:56
